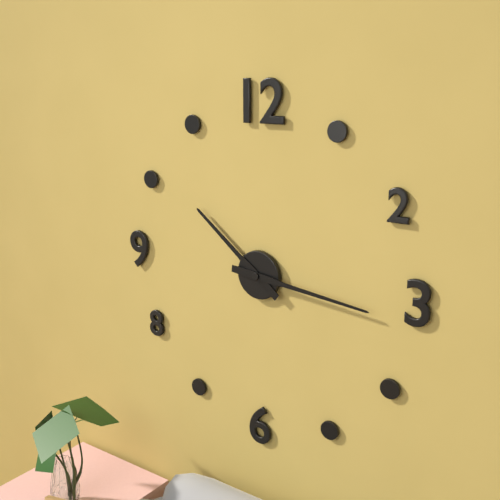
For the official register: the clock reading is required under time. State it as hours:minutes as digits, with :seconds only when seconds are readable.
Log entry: 10:16
